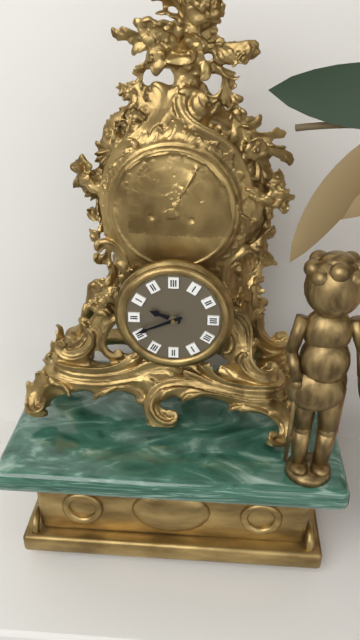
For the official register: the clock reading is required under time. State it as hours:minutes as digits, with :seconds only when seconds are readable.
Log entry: 9:41
